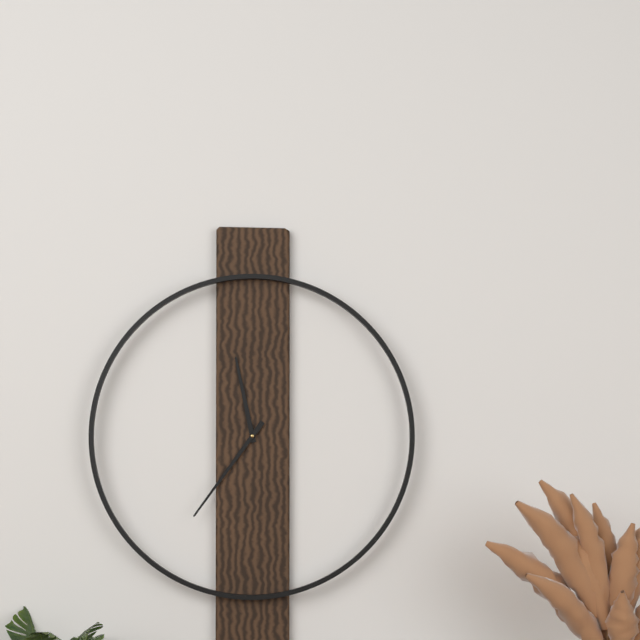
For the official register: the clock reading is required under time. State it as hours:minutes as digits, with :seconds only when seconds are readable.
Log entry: 11:36
